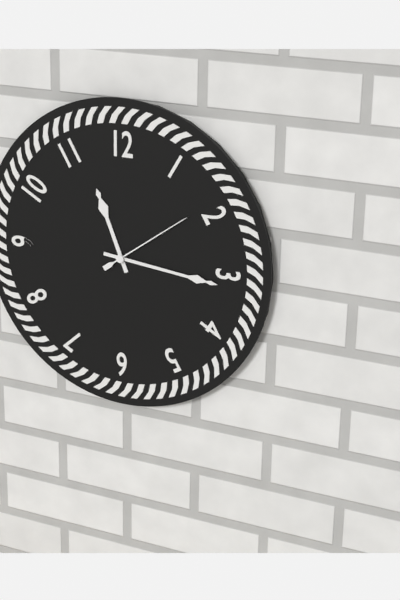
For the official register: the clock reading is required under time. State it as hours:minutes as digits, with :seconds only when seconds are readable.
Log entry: 11:16:09
